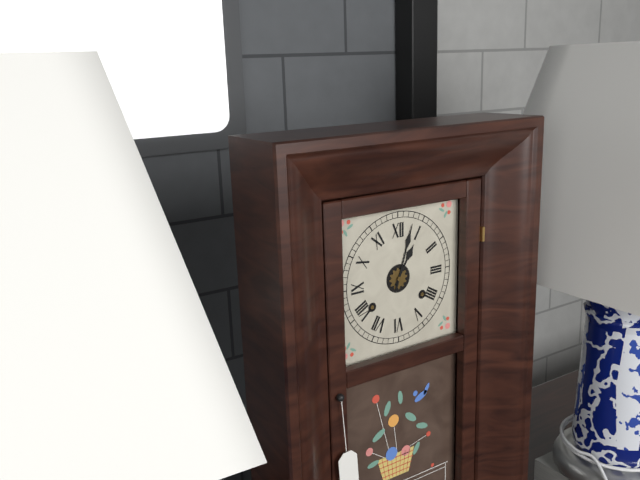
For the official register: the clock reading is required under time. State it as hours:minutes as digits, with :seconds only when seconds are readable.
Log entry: 1:03
